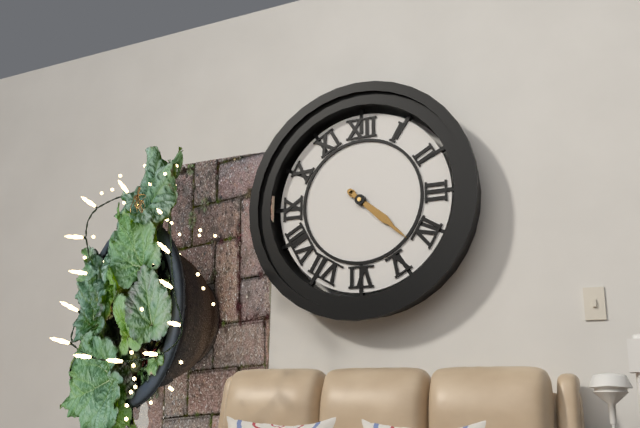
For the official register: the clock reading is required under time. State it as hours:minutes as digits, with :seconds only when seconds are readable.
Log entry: 4:22
